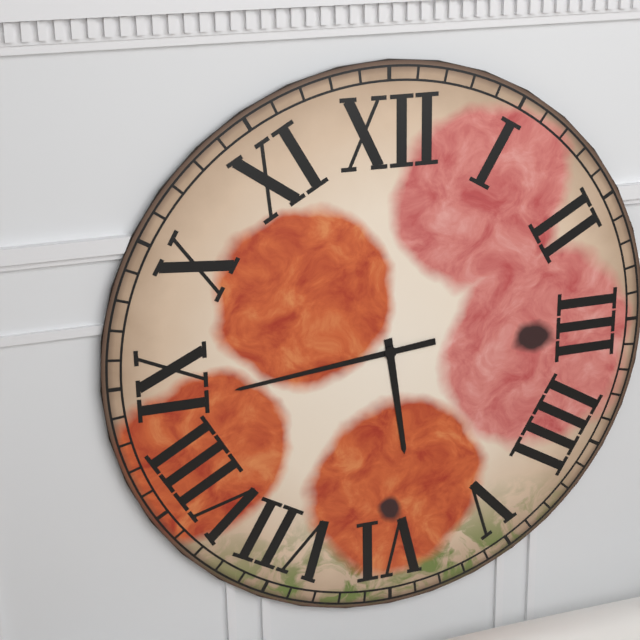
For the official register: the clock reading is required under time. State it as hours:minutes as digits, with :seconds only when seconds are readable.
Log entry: 5:44
